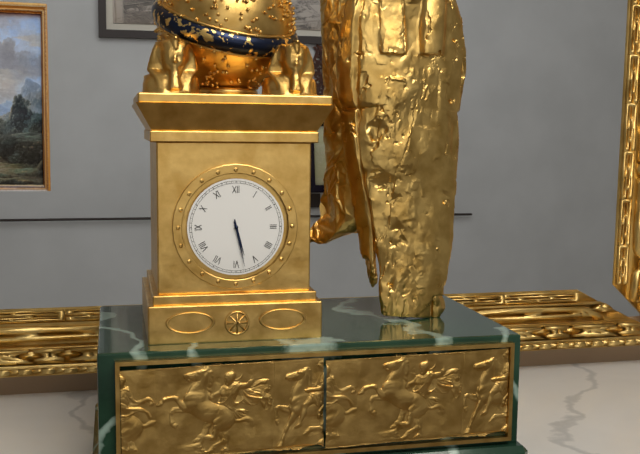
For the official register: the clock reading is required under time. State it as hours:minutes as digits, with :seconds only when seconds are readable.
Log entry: 5:28
